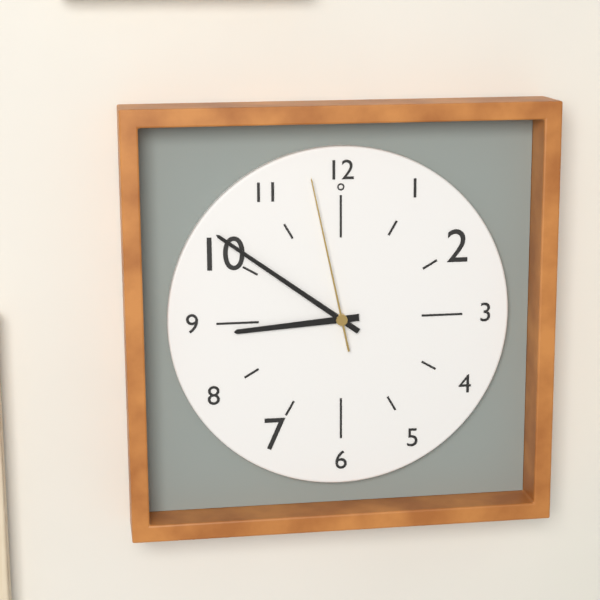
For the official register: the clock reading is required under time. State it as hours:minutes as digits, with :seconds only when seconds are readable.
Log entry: 8:51:58
